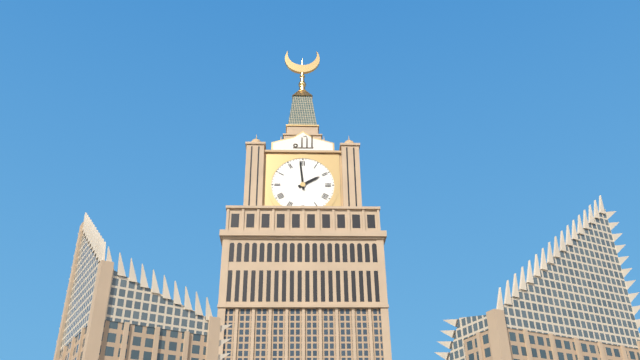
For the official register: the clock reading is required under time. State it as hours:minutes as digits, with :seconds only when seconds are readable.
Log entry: 1:59
